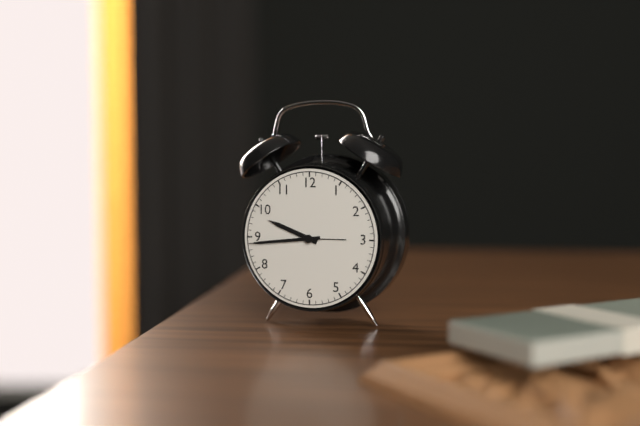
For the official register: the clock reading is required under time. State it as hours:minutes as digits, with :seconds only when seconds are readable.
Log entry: 9:44
